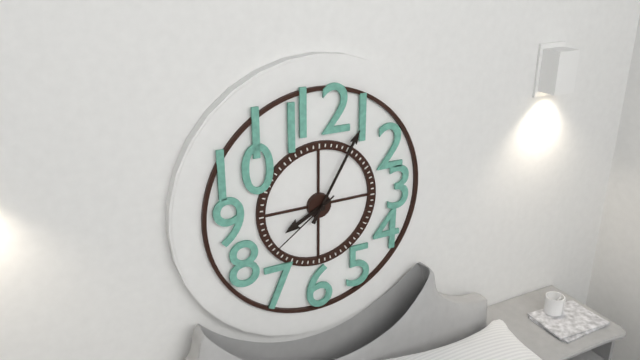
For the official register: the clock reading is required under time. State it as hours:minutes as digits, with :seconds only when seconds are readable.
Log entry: 8:05:39
